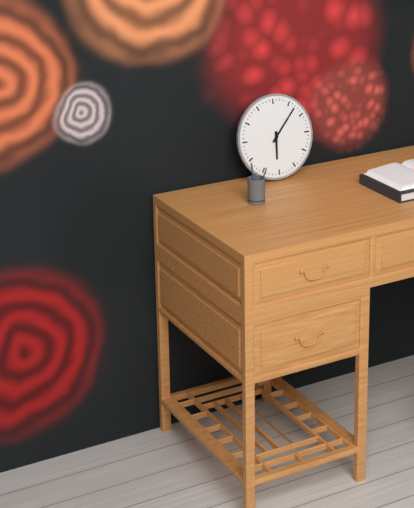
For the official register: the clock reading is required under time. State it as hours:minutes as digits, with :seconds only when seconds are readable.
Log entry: 6:07
